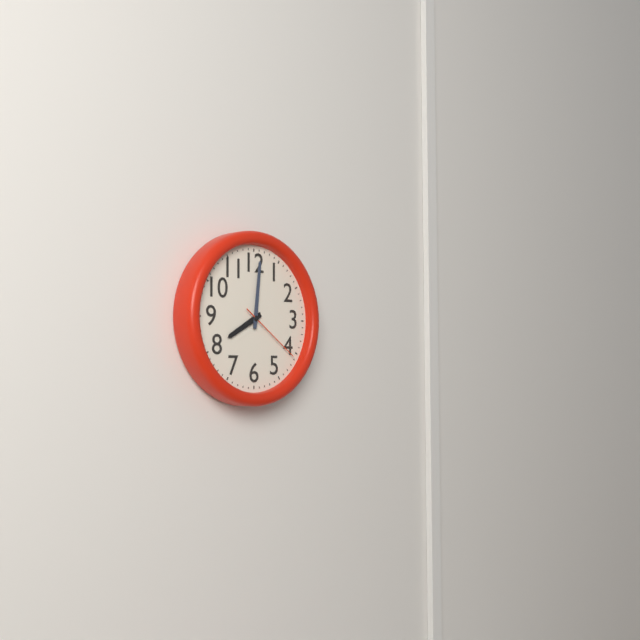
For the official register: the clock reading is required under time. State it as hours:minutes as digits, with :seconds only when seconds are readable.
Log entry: 8:01:21
